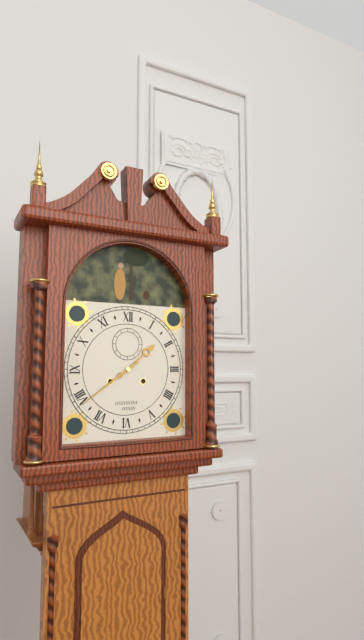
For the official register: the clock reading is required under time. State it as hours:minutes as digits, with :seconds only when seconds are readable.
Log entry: 1:39
